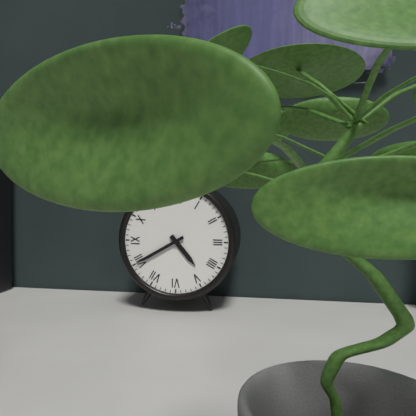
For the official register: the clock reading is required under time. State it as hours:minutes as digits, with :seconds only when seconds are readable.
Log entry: 4:40
